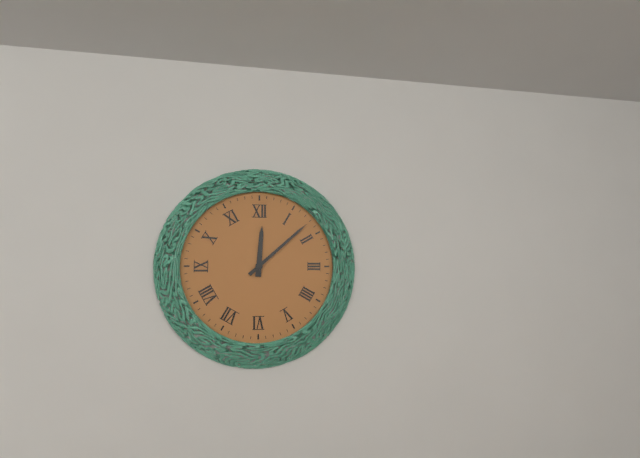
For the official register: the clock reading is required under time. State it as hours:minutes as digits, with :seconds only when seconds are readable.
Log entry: 12:08
